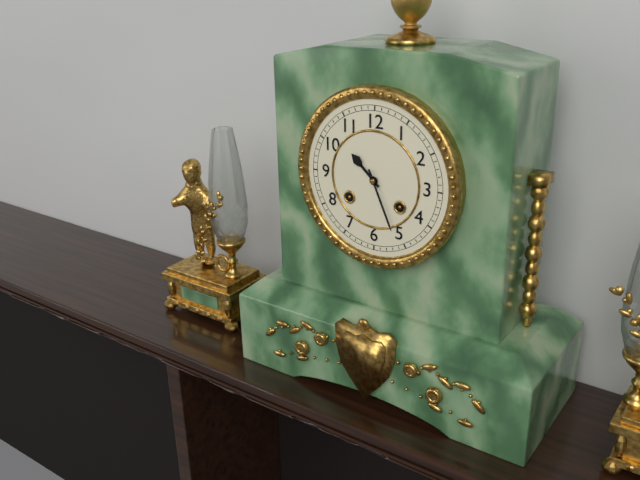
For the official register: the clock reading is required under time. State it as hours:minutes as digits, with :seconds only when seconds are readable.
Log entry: 10:26
